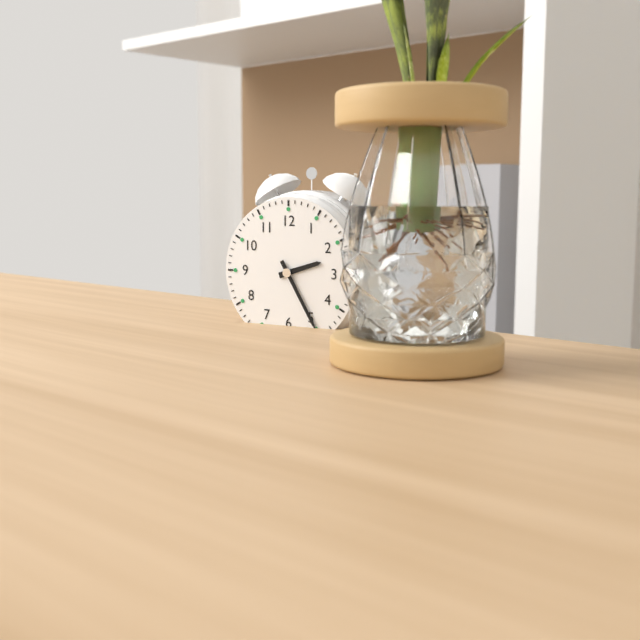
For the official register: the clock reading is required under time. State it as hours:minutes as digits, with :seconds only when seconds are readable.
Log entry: 2:25
